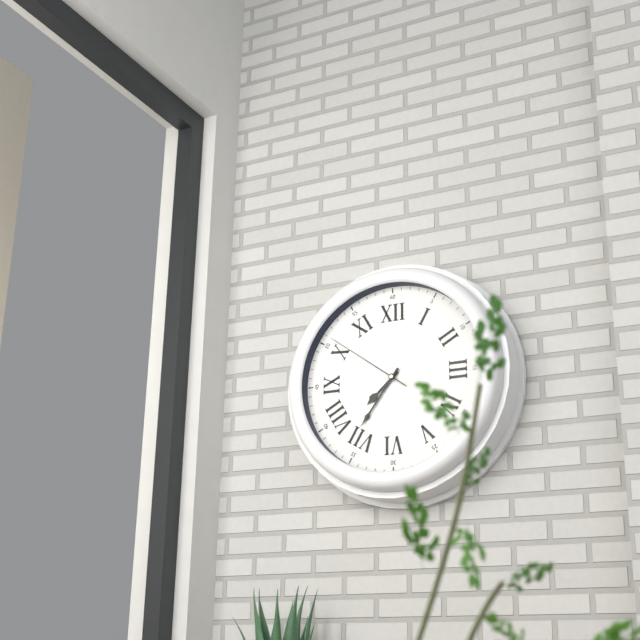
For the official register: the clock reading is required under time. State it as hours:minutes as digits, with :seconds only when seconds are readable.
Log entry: 7:36:51
